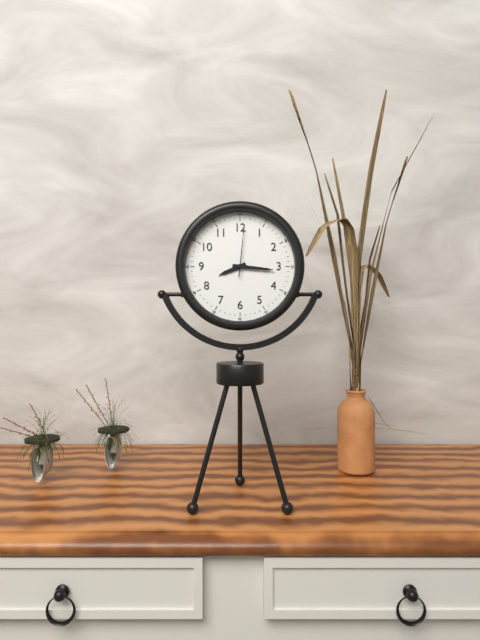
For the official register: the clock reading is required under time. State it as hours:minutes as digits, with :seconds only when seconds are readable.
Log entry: 8:16
